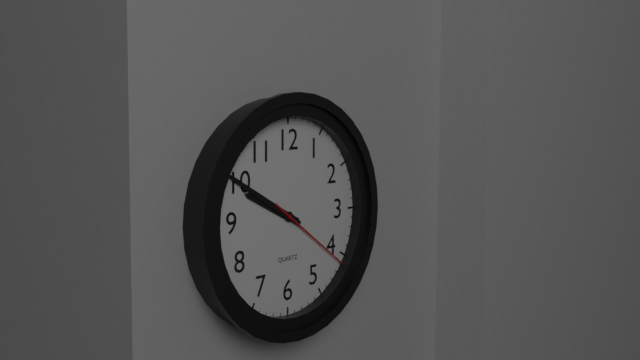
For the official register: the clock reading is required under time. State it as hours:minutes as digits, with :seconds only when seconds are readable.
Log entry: 9:50:21
